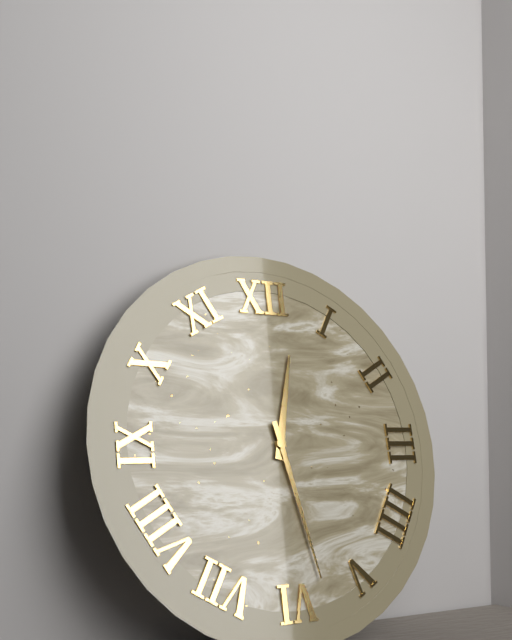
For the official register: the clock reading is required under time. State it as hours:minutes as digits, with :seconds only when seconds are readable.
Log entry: 12:28
